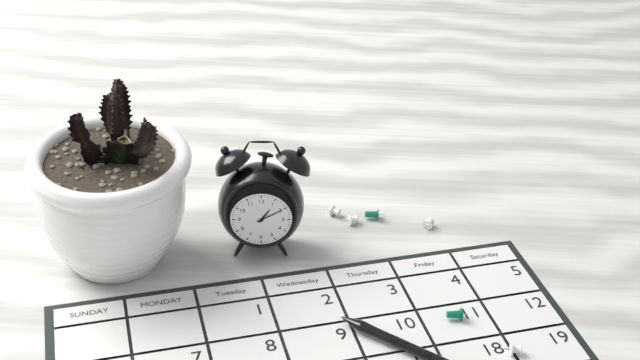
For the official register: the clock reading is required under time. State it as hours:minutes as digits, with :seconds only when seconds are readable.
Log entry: 1:10
